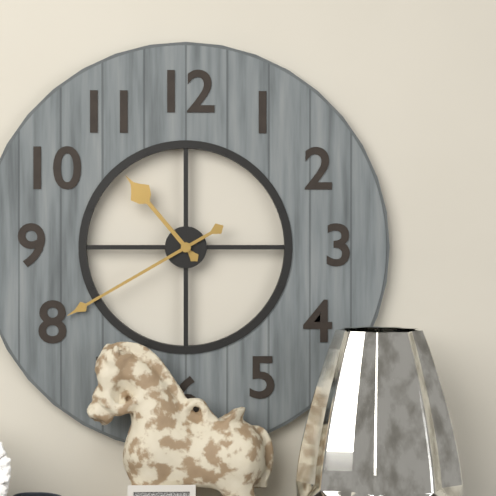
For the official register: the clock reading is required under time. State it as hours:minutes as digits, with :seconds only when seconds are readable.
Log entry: 10:40
